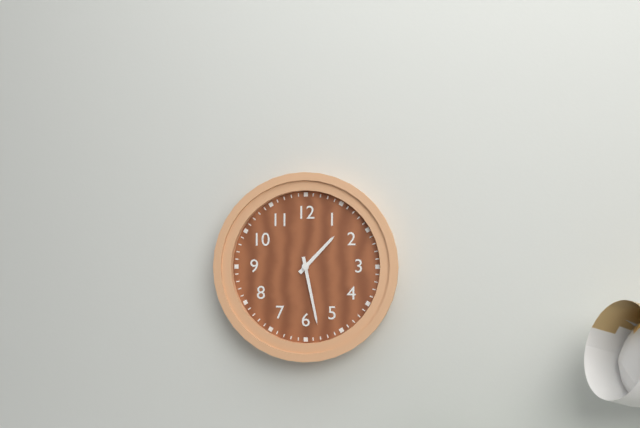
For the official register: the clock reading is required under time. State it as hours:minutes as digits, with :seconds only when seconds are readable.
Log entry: 1:28
